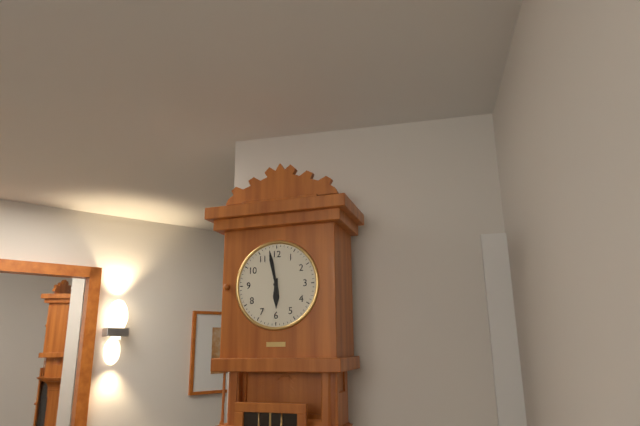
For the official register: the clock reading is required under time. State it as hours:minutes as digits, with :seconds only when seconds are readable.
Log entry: 5:58
